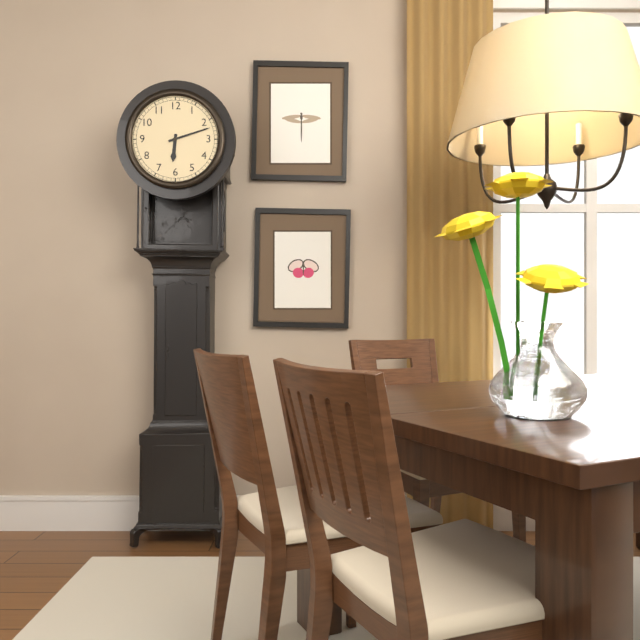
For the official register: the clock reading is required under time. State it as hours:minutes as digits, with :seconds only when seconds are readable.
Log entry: 6:12
